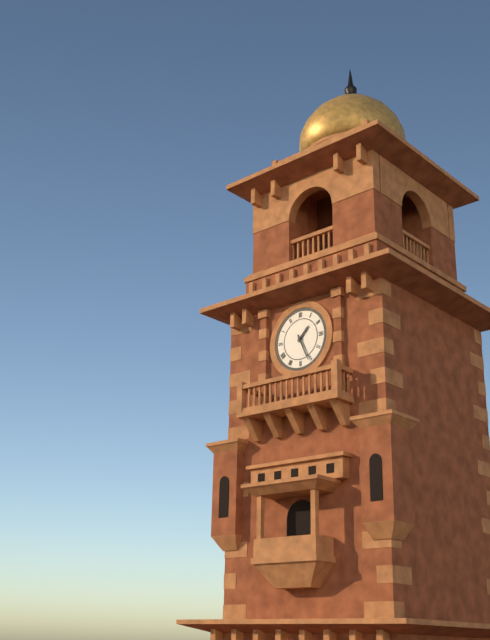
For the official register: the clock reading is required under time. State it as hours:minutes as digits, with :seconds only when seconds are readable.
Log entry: 1:26
